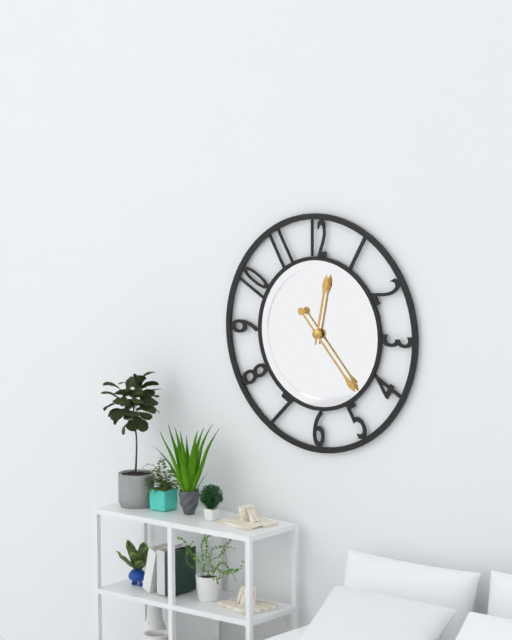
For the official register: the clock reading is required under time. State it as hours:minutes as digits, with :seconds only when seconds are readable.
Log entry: 12:23
